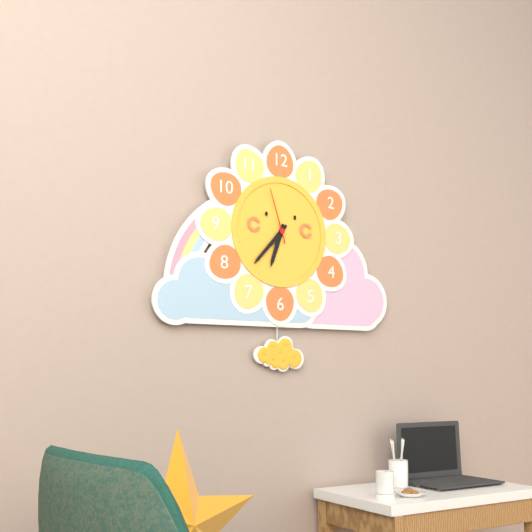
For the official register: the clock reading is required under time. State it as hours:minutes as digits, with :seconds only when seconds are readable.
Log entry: 6:37:57
